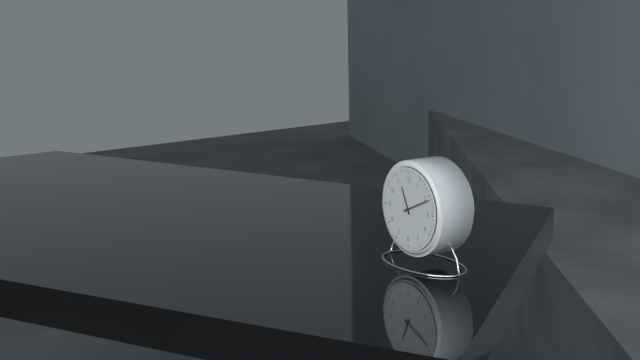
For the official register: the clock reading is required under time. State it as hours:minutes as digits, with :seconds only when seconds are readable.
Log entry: 11:11
